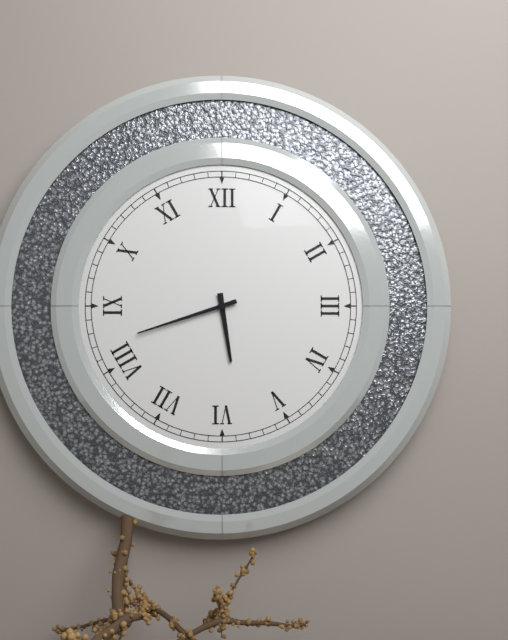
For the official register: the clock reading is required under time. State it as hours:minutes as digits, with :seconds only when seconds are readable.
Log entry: 5:42
